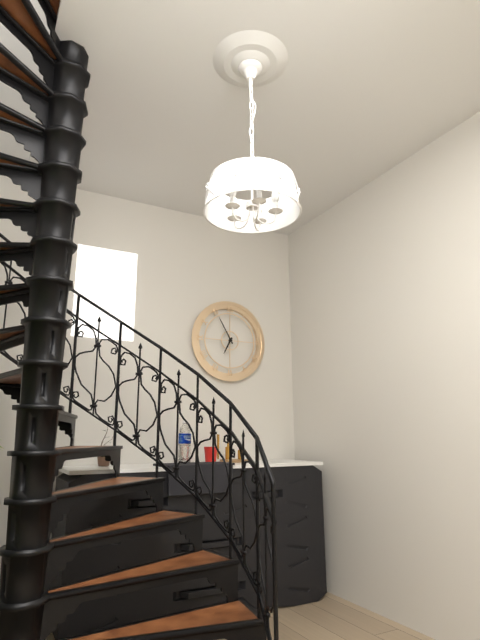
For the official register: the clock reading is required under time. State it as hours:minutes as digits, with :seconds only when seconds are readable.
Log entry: 6:55
